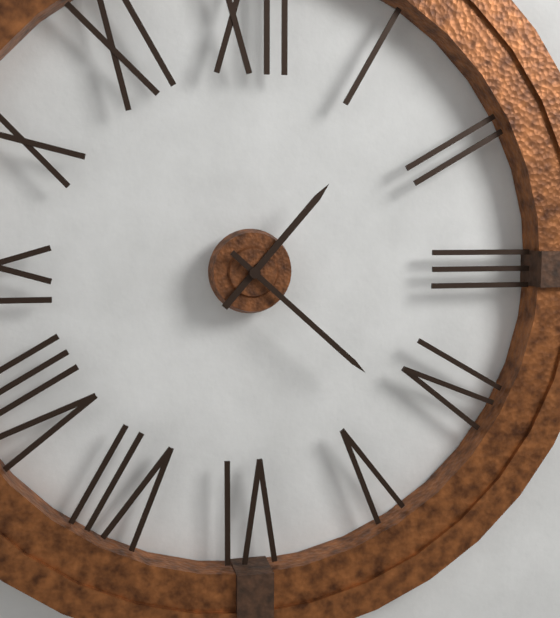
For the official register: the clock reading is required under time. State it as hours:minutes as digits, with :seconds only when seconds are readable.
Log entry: 1:22
